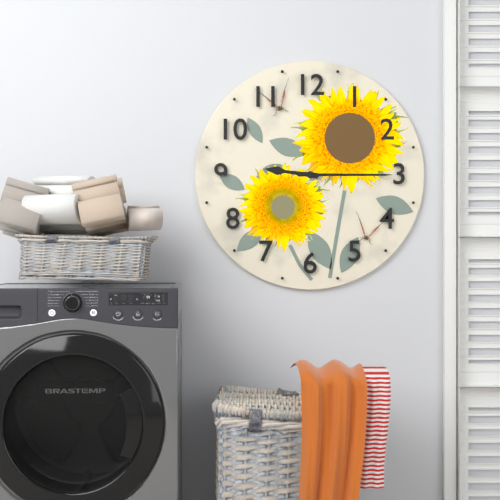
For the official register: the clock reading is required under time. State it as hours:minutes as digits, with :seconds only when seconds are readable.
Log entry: 9:15
